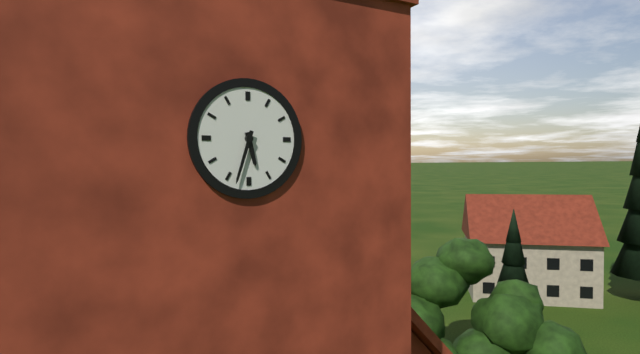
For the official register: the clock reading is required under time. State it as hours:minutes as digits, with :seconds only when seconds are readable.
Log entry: 5:33
